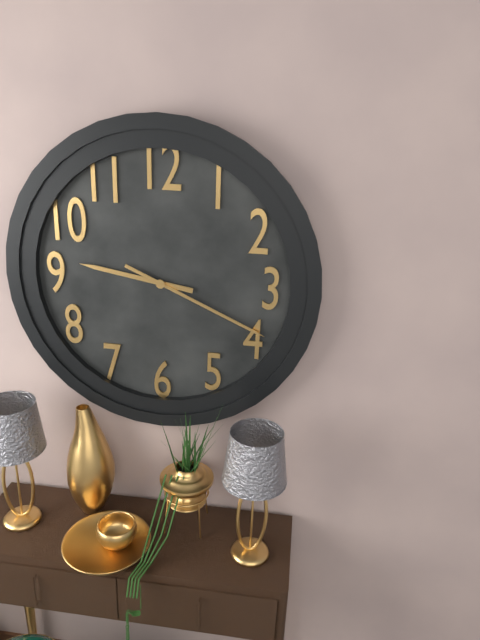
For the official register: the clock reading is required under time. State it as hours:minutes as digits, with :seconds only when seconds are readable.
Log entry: 9:19
